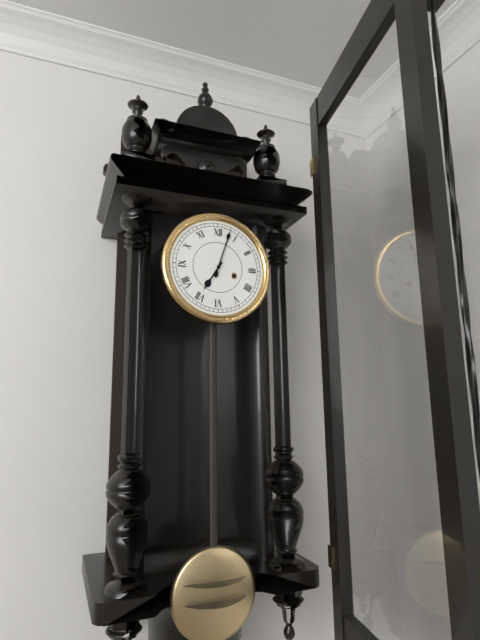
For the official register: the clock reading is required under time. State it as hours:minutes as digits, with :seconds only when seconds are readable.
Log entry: 7:03
